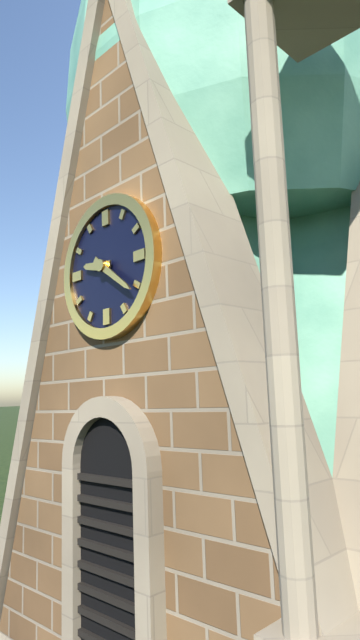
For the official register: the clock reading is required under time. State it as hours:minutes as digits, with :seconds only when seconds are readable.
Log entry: 9:21
